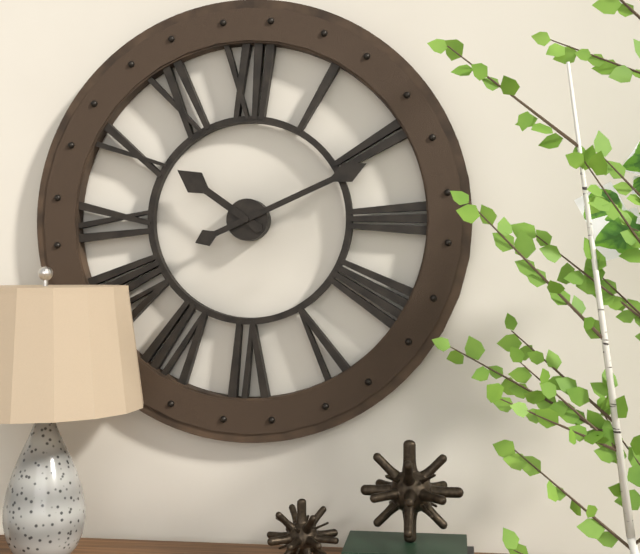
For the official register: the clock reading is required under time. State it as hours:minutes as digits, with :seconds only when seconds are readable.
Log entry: 10:11
